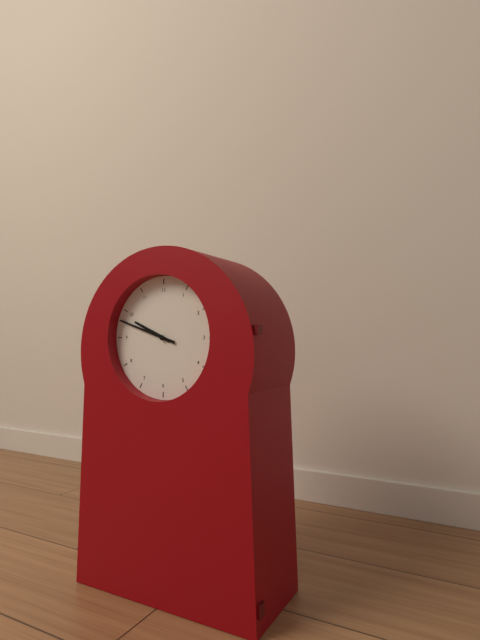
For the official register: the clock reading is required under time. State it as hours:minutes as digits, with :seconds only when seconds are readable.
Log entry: 9:48
